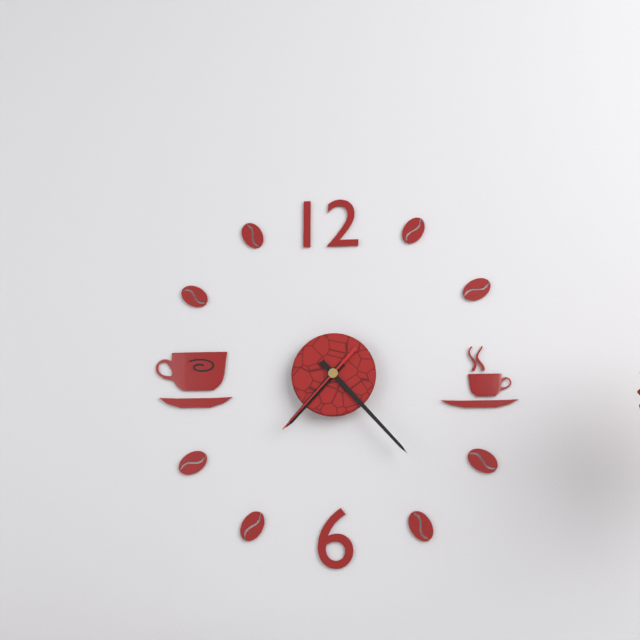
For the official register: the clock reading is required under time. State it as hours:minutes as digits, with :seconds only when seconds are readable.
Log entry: 7:23:37
